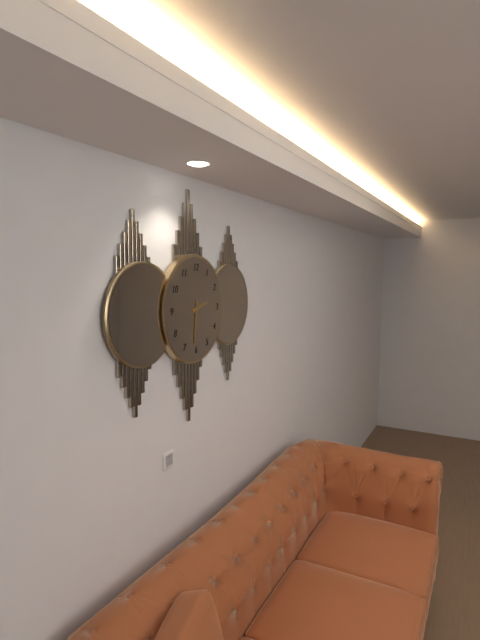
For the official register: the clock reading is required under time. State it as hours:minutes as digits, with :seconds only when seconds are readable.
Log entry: 2:31
